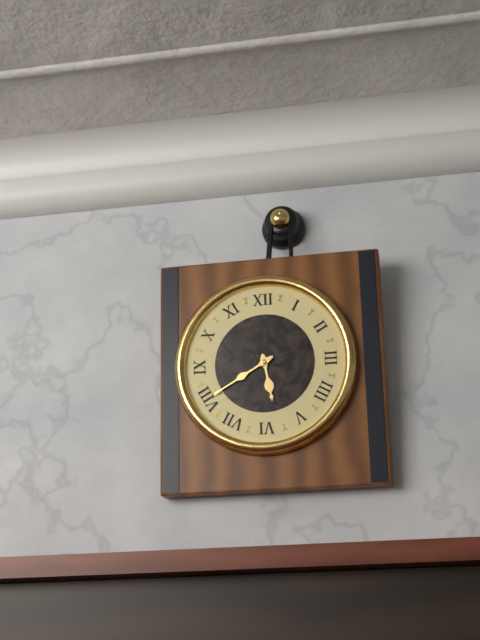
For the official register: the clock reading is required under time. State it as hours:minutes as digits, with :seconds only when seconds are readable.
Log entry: 5:40
